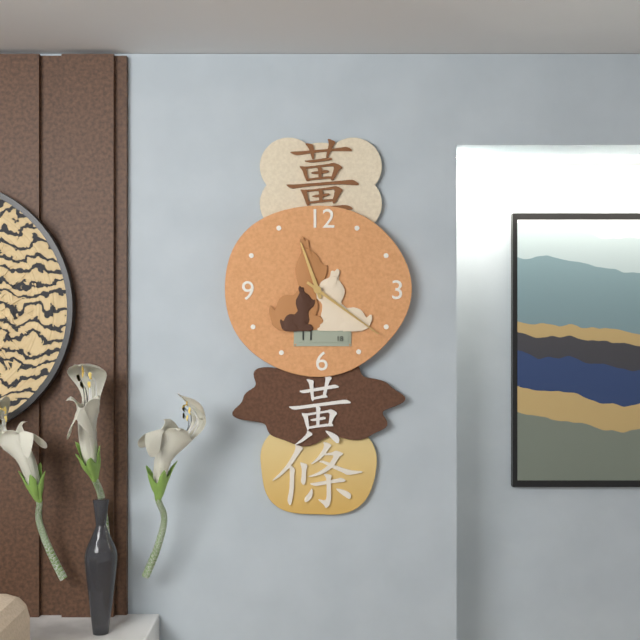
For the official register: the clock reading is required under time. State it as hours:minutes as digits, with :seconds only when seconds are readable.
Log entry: 11:21
